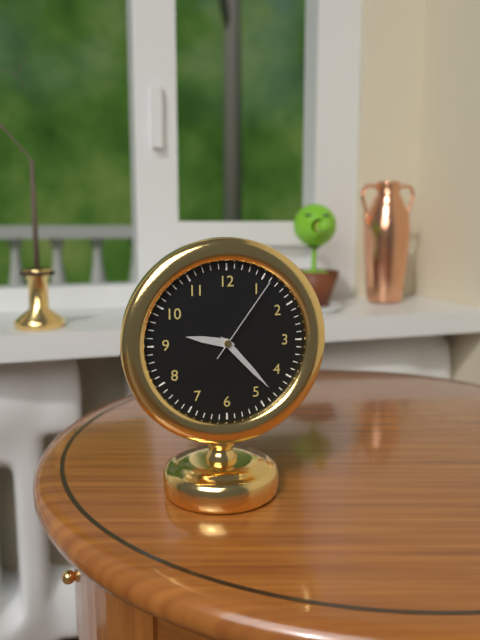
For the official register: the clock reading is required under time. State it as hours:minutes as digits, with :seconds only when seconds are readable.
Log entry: 9:23:06
